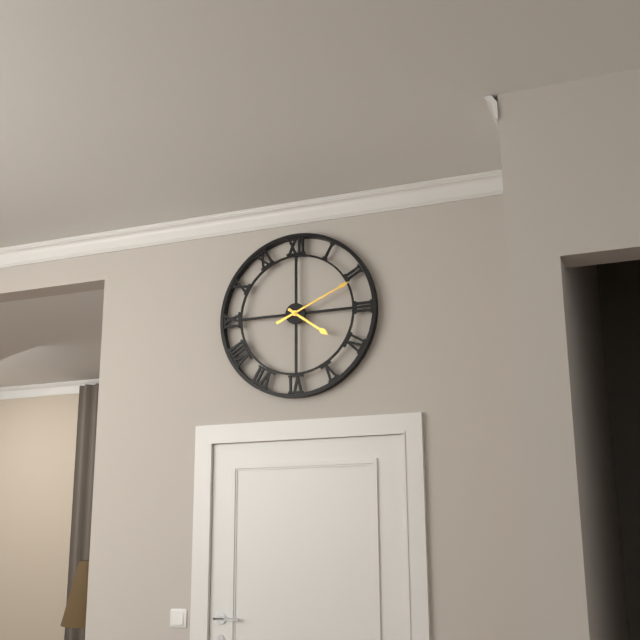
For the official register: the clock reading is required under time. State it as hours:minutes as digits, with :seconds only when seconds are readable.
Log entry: 4:11
